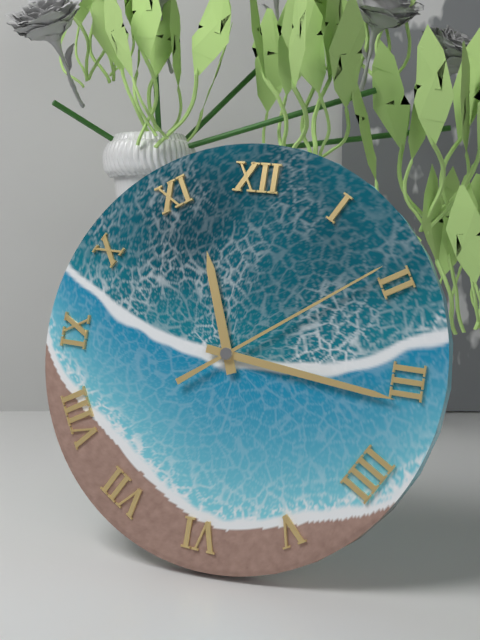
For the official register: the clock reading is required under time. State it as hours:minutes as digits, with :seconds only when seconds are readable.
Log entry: 11:16:09
